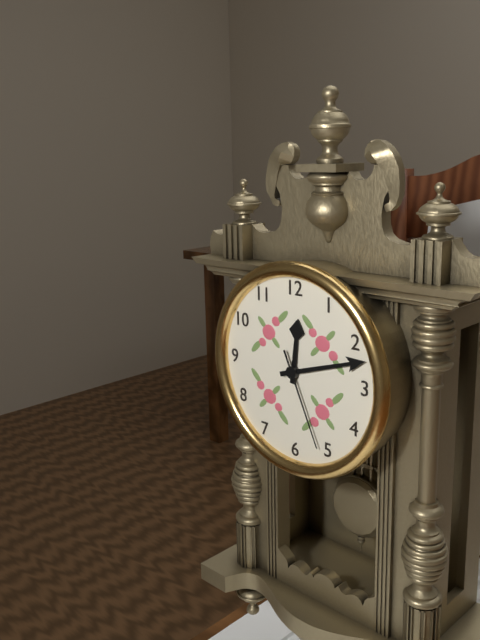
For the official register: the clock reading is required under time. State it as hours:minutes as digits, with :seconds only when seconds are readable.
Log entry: 12:12:26
